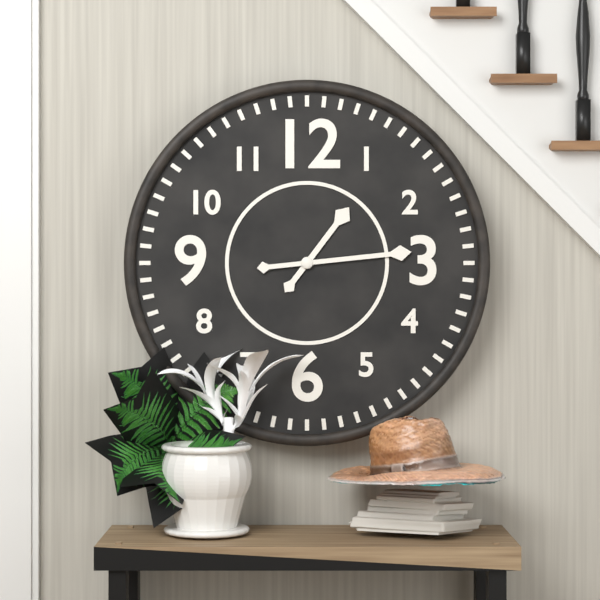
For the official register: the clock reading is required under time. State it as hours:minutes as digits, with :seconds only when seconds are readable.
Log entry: 1:14
